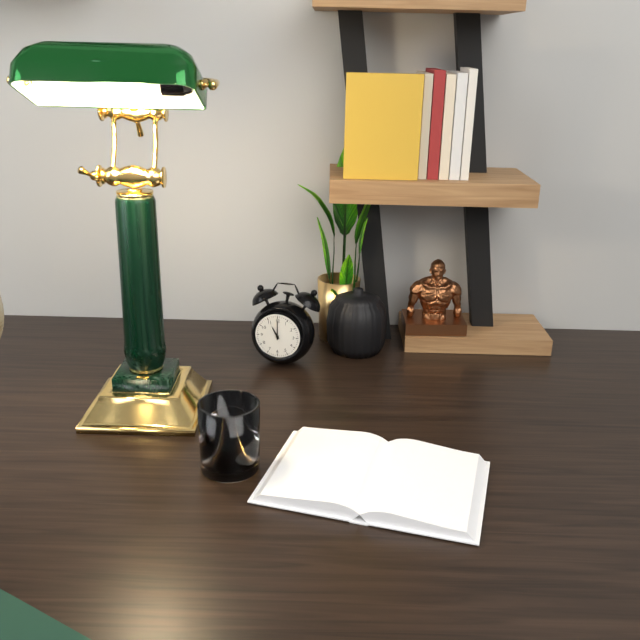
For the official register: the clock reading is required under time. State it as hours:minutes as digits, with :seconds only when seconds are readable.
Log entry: 11:00
